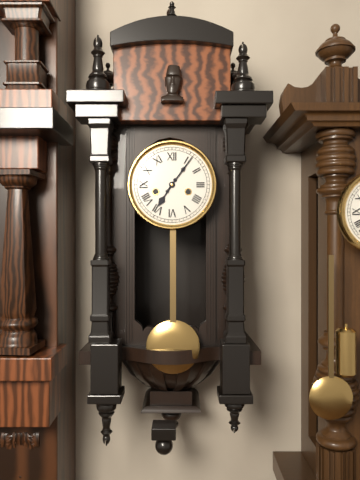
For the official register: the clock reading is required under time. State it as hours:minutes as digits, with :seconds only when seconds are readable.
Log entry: 7:06
